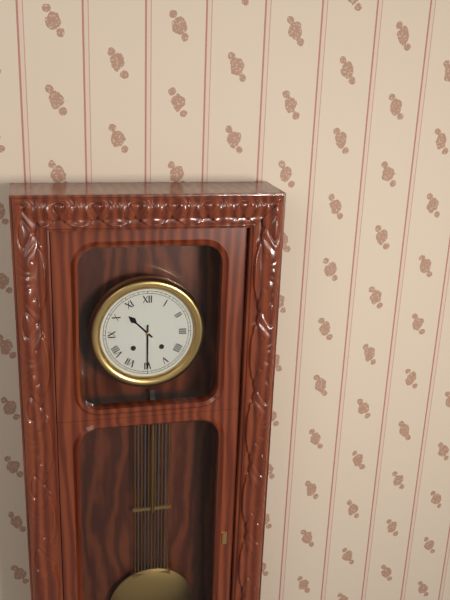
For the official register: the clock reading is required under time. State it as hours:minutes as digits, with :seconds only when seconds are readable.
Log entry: 10:30
